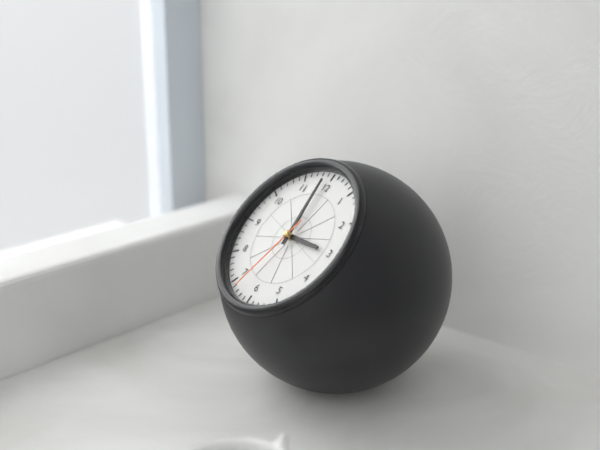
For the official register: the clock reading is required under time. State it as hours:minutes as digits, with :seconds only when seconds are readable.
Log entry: 2:59:33
